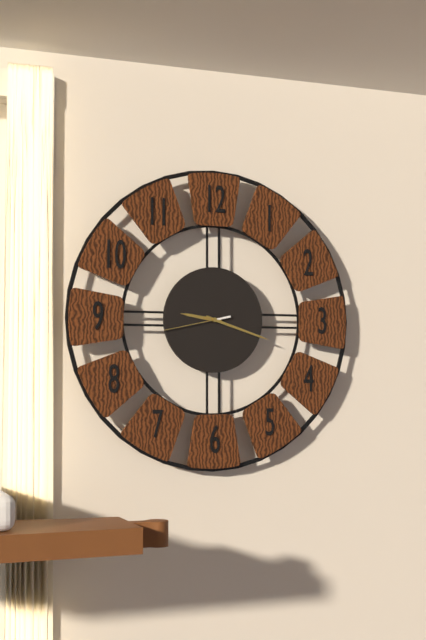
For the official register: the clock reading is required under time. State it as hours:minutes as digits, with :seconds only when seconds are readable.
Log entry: 9:18:43
